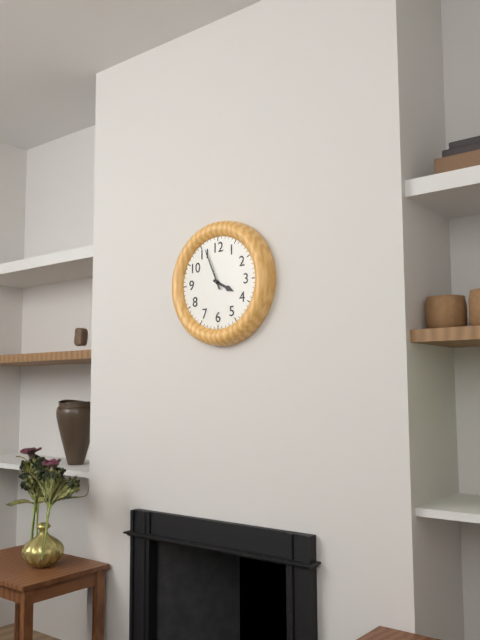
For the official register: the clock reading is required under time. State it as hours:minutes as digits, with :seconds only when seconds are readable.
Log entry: 3:56
